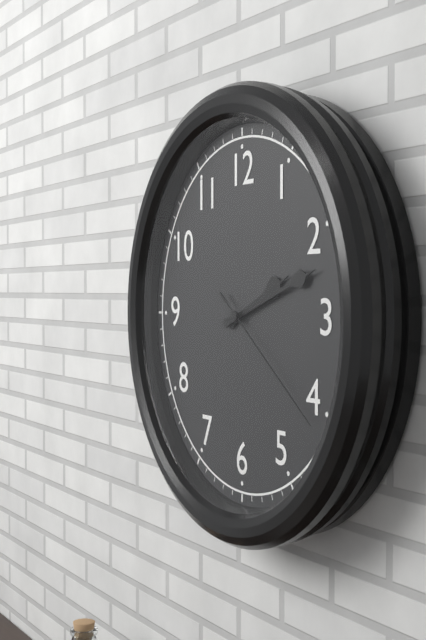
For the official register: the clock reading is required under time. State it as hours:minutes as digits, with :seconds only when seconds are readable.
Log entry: 2:12:21
